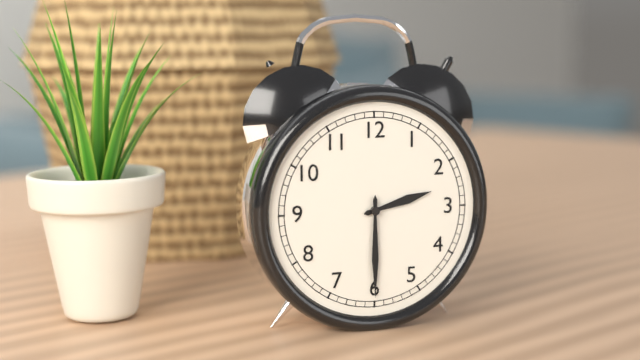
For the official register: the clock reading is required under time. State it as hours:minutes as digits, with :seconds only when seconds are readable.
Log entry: 2:30
